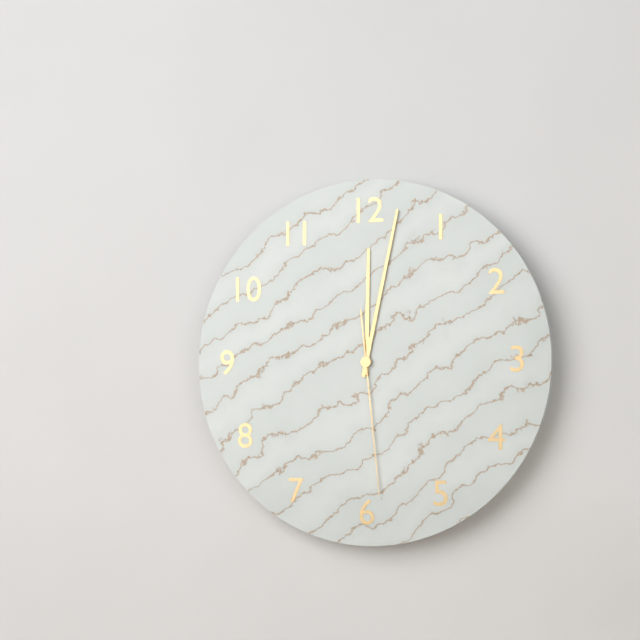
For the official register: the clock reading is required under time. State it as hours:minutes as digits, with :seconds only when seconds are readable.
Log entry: 12:02:29
